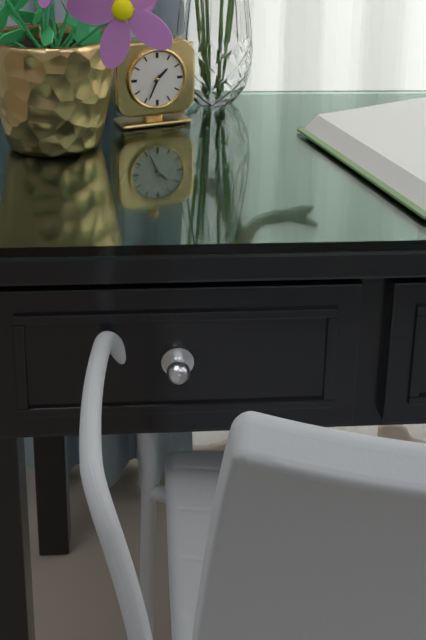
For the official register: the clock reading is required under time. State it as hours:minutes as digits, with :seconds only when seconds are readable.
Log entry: 1:34
